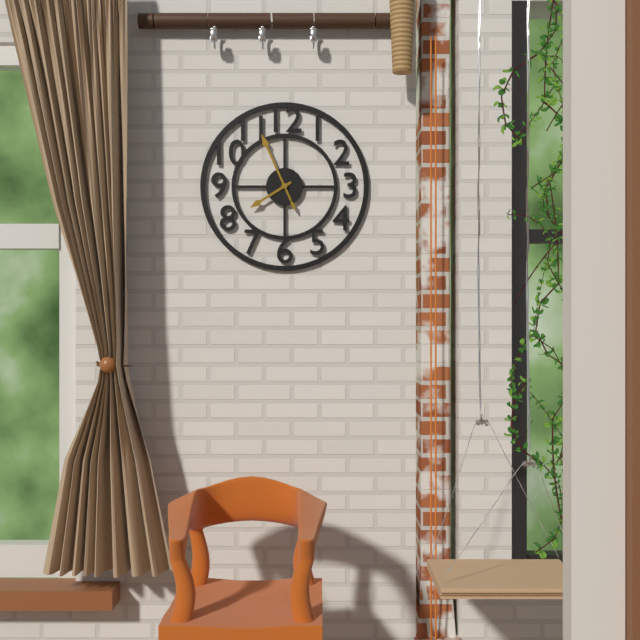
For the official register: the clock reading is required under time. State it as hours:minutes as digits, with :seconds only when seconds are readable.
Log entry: 7:56
